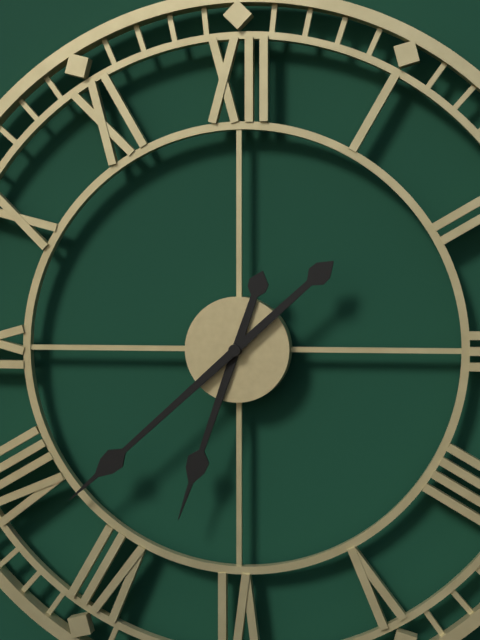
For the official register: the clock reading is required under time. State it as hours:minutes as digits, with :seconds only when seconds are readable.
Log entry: 6:38
